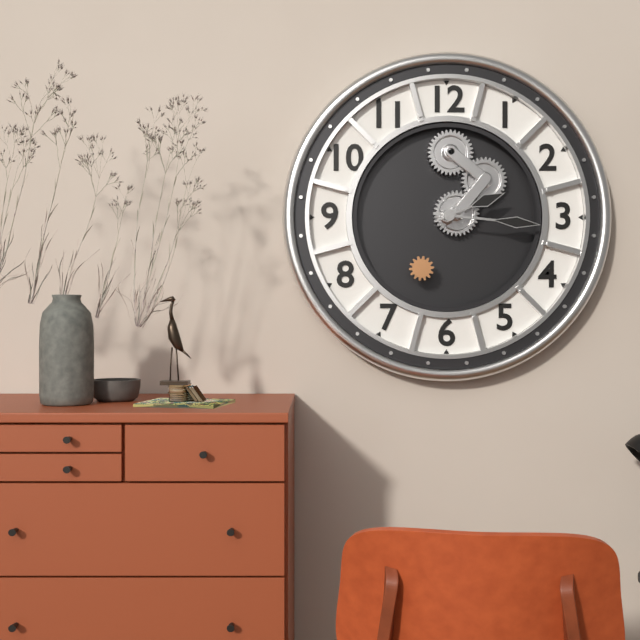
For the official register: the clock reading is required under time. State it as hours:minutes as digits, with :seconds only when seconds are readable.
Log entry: 2:16
